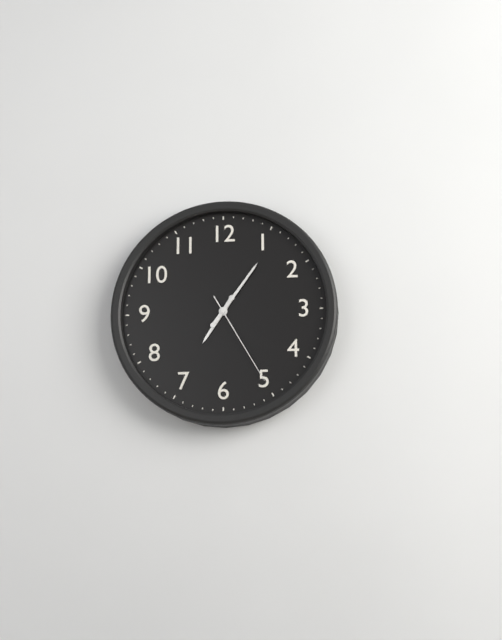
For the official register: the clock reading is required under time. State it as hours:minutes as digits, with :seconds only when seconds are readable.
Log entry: 7:06:25
